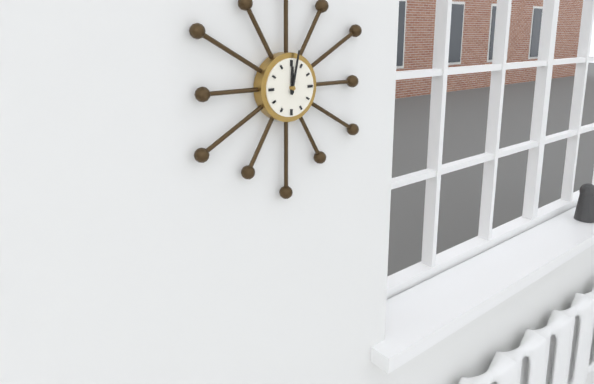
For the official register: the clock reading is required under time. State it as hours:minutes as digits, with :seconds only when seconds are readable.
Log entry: 12:02
